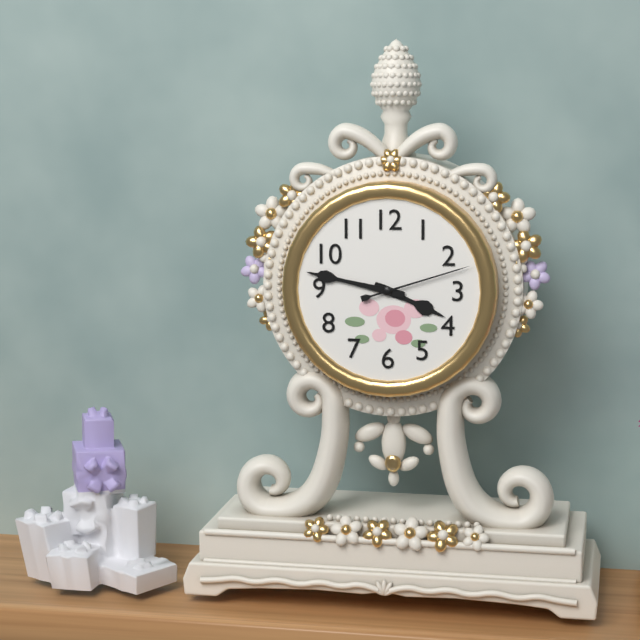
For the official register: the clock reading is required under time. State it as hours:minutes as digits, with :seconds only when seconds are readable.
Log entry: 3:47:12
